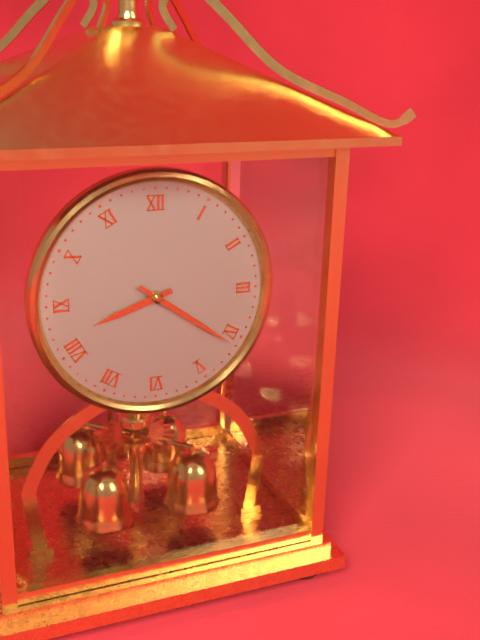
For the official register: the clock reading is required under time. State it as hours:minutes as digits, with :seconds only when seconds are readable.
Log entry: 8:21
